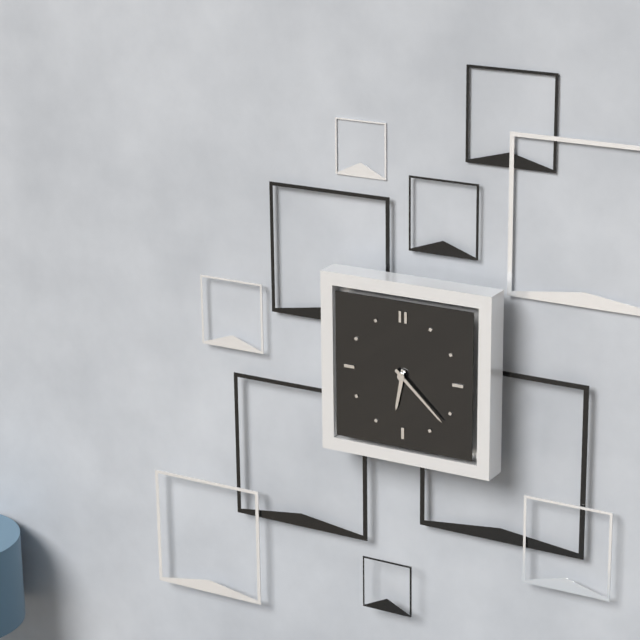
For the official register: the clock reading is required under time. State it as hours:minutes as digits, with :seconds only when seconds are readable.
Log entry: 6:22
